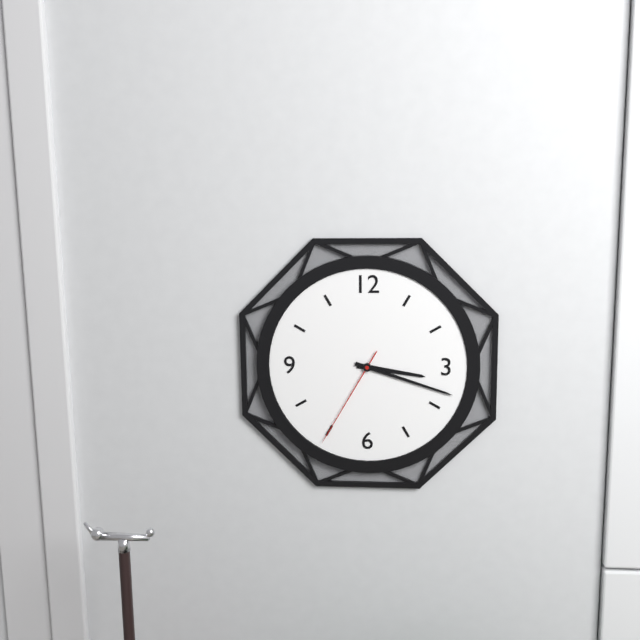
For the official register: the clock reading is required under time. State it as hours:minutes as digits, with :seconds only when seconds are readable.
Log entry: 3:18:35
